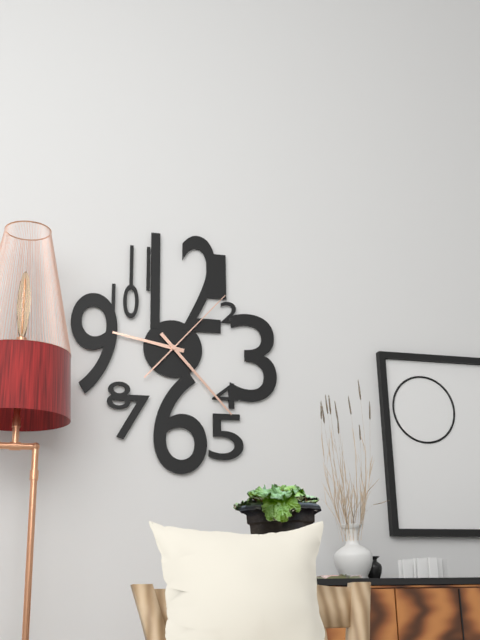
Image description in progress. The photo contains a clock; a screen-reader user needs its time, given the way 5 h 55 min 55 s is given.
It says 9 h 23 min 07 s
